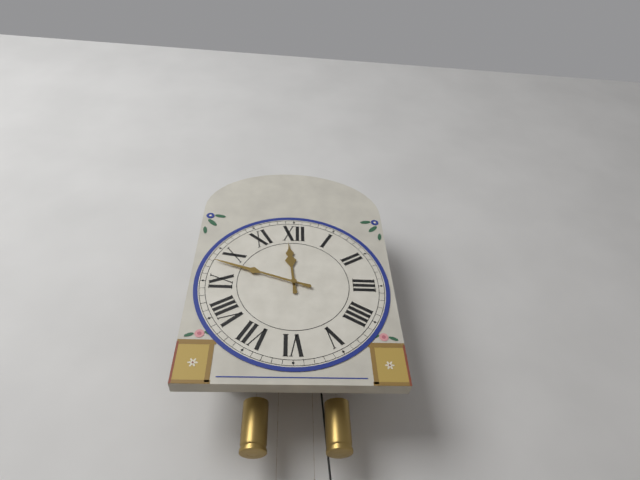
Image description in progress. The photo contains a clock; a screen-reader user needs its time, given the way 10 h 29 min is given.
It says 11 h 48 min
